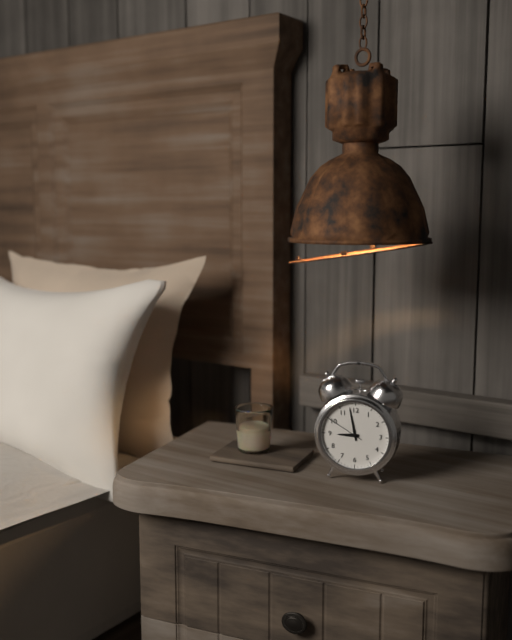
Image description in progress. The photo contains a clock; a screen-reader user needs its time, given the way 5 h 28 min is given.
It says 8 h 58 min
